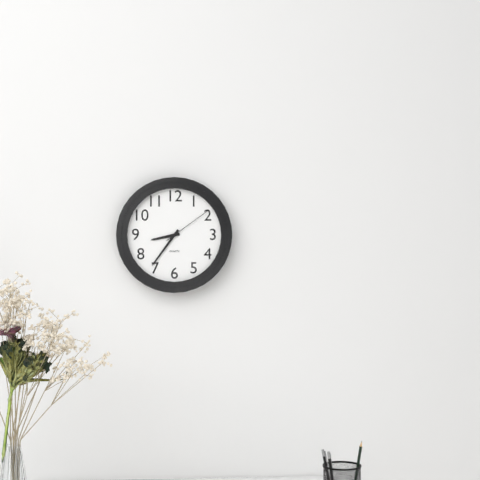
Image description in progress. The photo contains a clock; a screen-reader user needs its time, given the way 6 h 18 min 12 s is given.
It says 8 h 36 min 09 s
